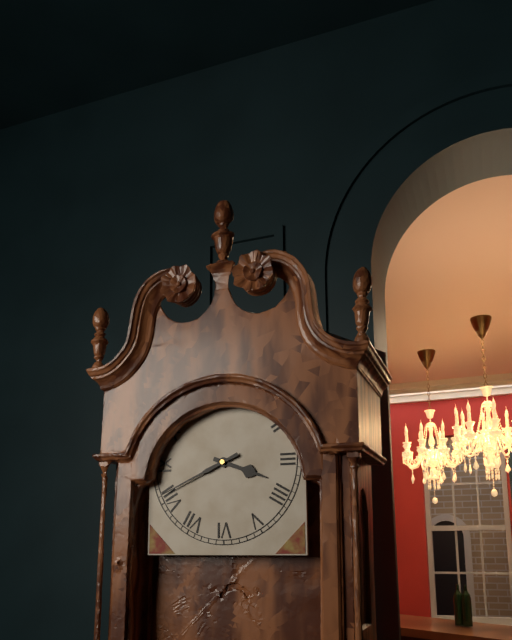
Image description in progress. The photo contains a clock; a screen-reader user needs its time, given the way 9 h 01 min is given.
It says 3 h 41 min
